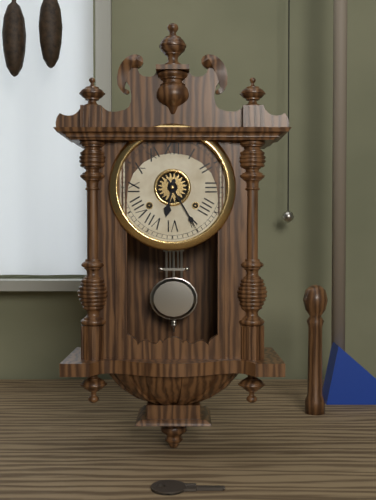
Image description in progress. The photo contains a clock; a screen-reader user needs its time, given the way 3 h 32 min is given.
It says 6 h 25 min
